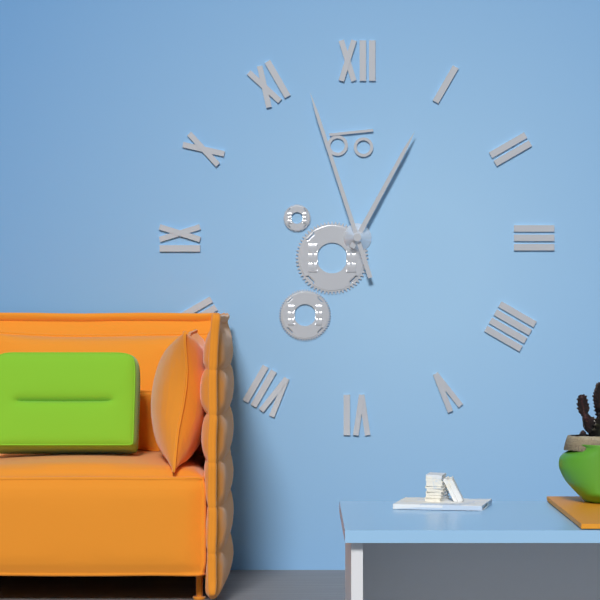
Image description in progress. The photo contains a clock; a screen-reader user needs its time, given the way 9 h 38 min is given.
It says 12 h 57 min
